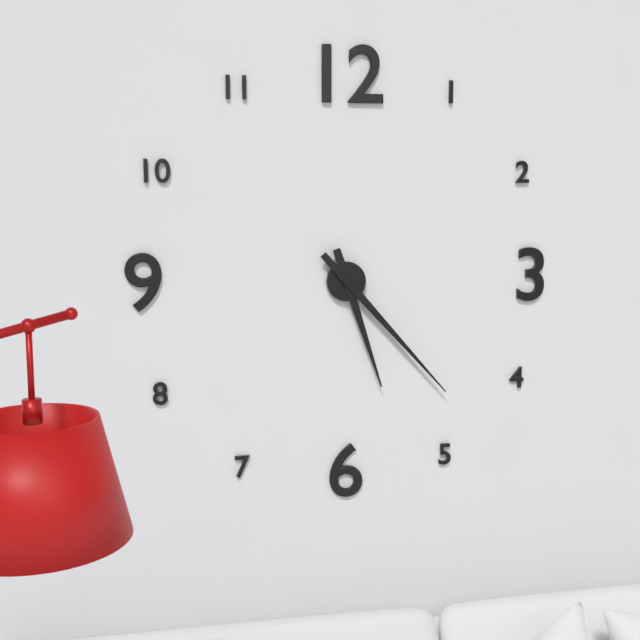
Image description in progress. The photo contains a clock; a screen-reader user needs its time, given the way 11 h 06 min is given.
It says 5 h 23 min
